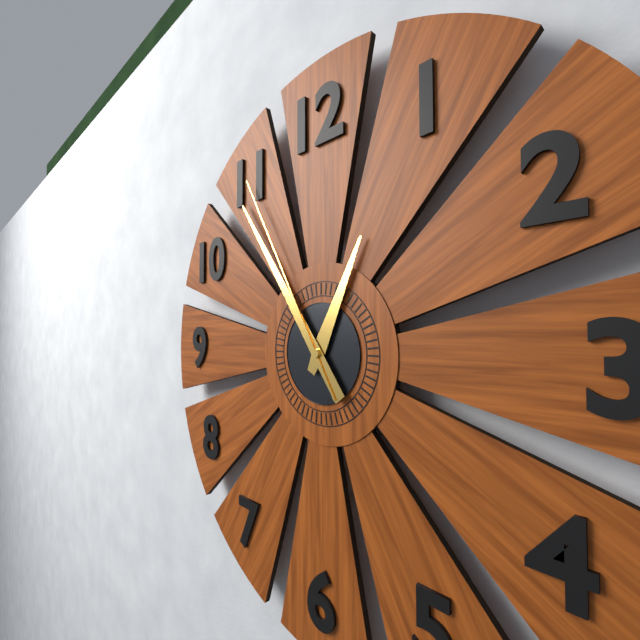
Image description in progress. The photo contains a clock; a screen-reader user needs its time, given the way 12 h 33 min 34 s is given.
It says 12 h 54 min 55 s
